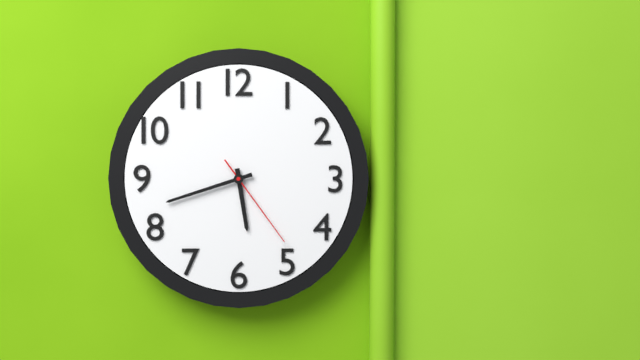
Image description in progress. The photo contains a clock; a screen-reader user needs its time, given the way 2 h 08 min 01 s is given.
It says 5 h 42 min 24 s
